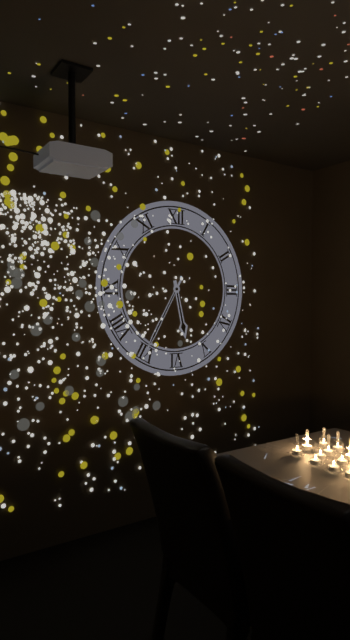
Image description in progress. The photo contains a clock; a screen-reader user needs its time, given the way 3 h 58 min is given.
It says 5 h 35 min
